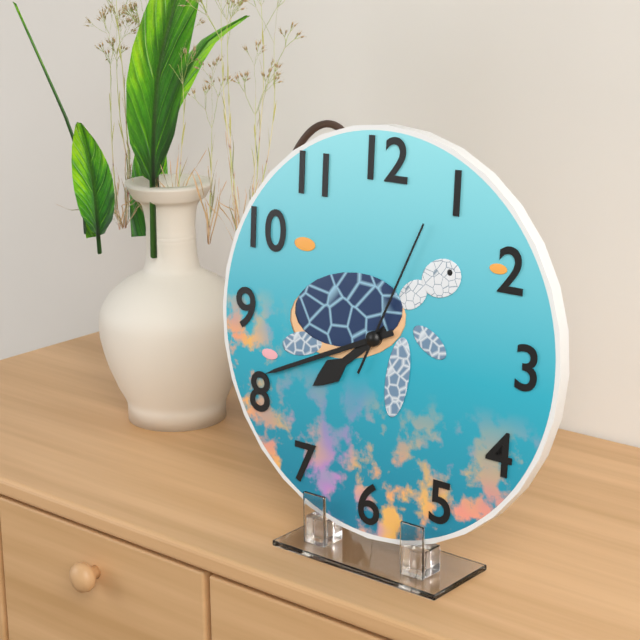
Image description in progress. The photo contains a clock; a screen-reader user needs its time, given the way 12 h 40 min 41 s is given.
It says 7 h 41 min 04 s
